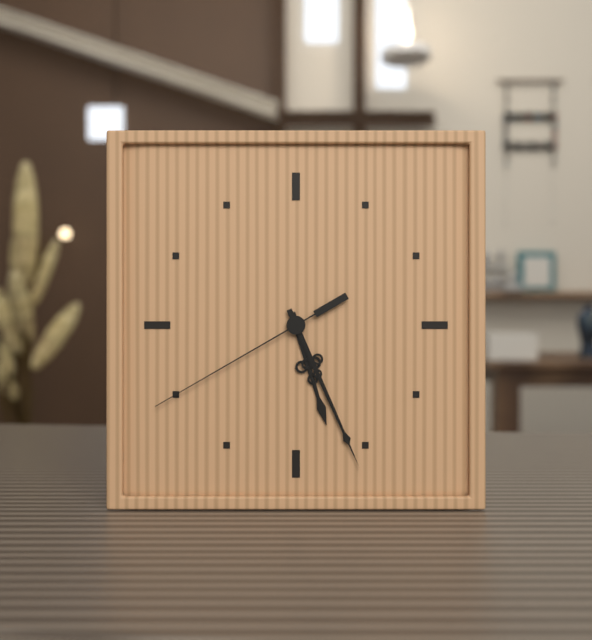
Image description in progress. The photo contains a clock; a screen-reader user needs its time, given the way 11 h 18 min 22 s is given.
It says 5 h 26 min 40 s
